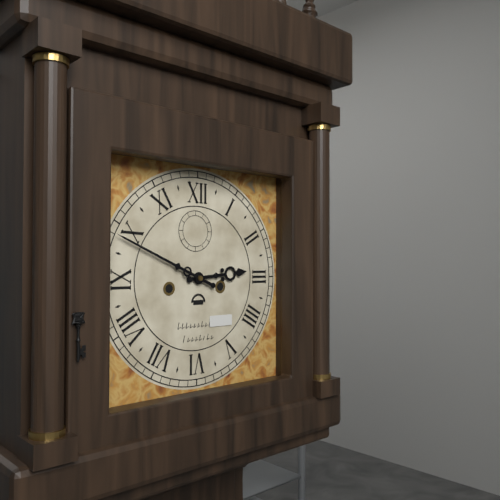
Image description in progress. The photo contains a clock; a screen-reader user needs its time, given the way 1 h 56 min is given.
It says 2 h 49 min
